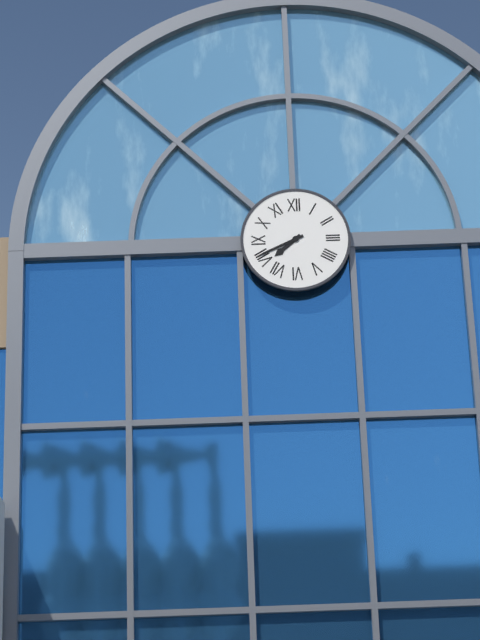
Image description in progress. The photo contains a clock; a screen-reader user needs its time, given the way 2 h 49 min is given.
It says 7 h 41 min
